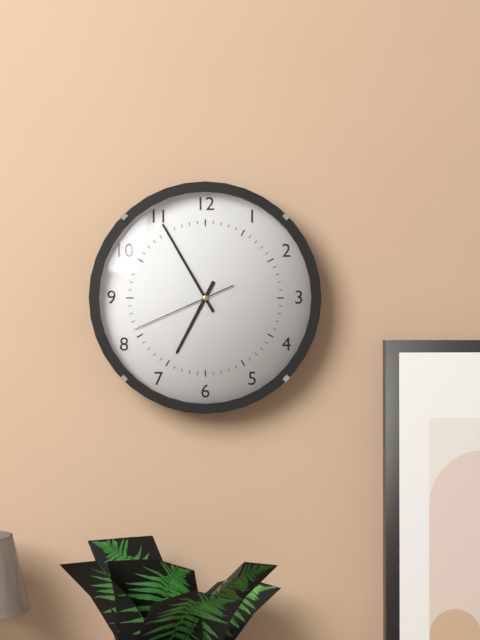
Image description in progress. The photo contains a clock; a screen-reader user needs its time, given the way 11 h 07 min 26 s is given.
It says 6 h 55 min 41 s
